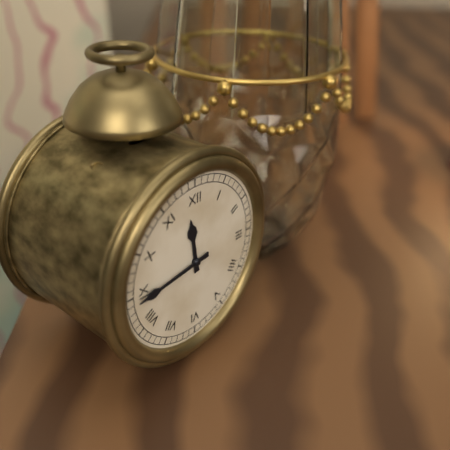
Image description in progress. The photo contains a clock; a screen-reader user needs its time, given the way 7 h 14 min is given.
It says 11 h 44 min
